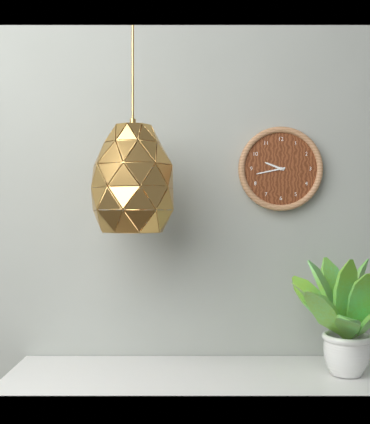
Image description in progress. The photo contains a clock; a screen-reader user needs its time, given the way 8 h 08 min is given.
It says 9 h 43 min
